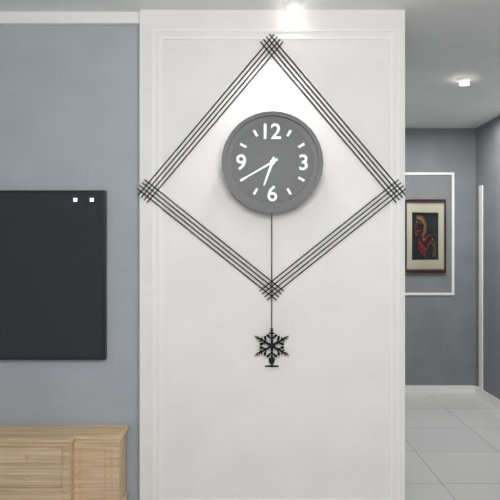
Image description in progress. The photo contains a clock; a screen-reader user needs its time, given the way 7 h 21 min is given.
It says 6 h 40 min
